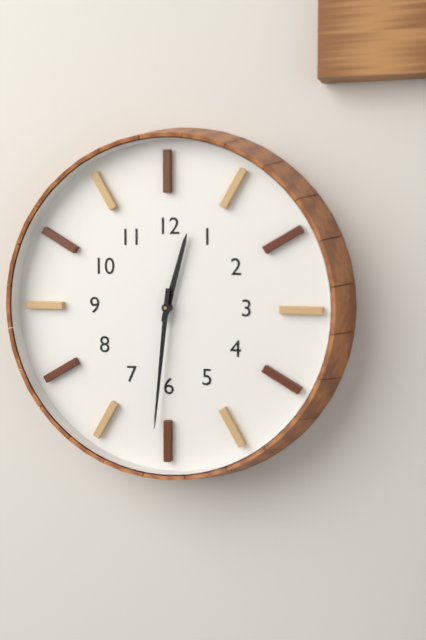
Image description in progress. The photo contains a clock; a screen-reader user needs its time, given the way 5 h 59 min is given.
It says 12 h 31 min
